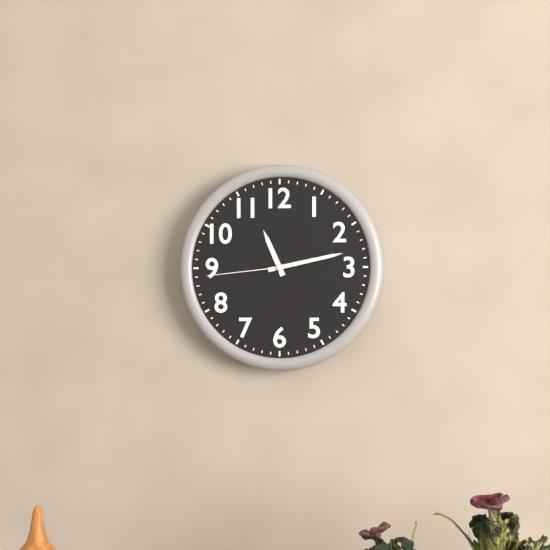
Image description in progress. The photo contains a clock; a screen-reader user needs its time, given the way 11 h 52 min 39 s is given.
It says 11 h 13 min 44 s
